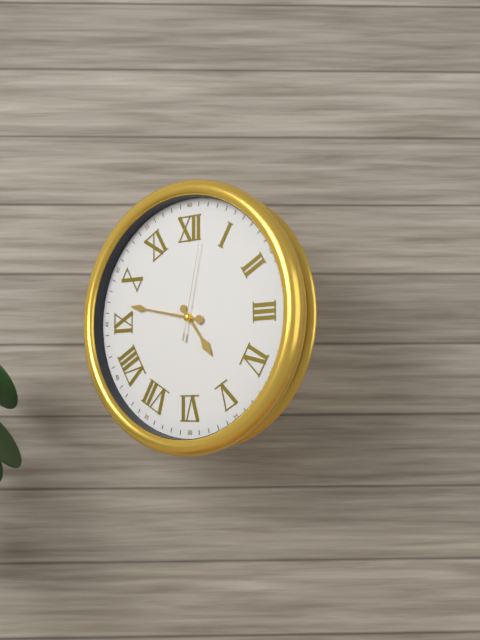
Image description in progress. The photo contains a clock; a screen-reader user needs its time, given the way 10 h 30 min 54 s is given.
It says 4 h 47 min 02 s
